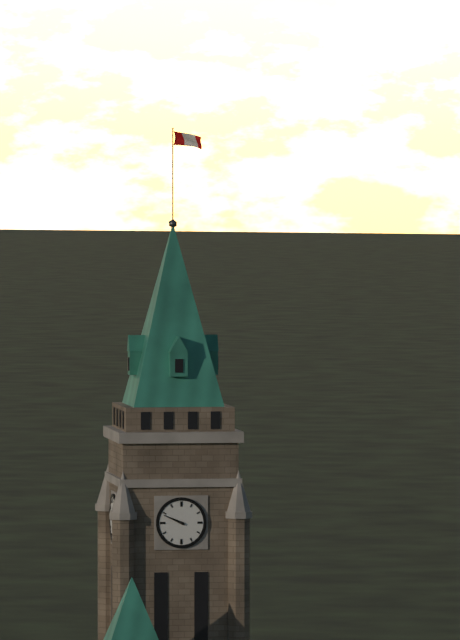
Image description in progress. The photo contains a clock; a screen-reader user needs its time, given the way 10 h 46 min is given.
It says 9 h 49 min
